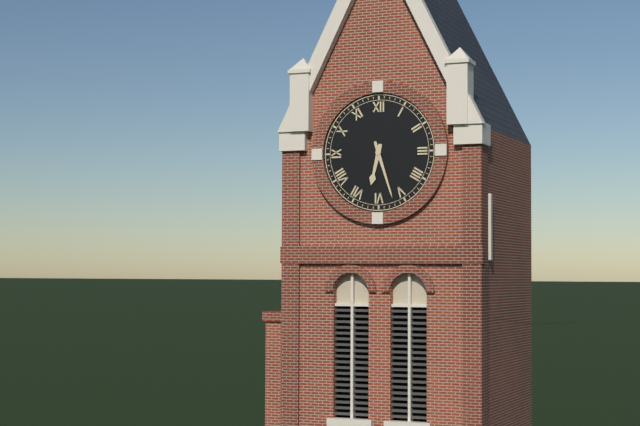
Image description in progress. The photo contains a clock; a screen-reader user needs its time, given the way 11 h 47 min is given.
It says 6 h 27 min
